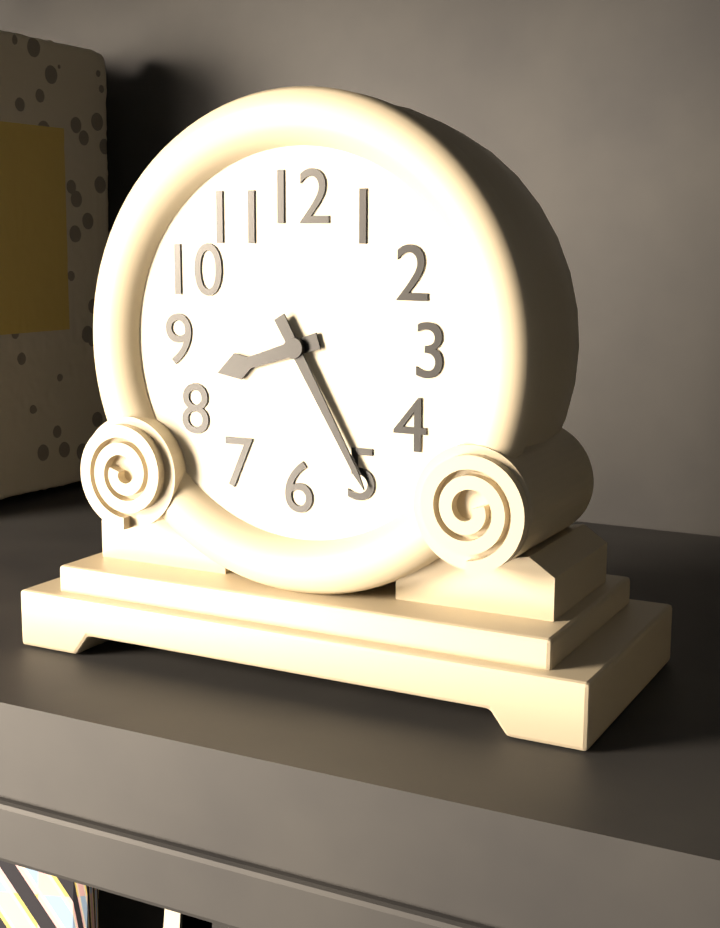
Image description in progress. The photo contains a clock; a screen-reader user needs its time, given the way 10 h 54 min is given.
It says 8 h 25 min
